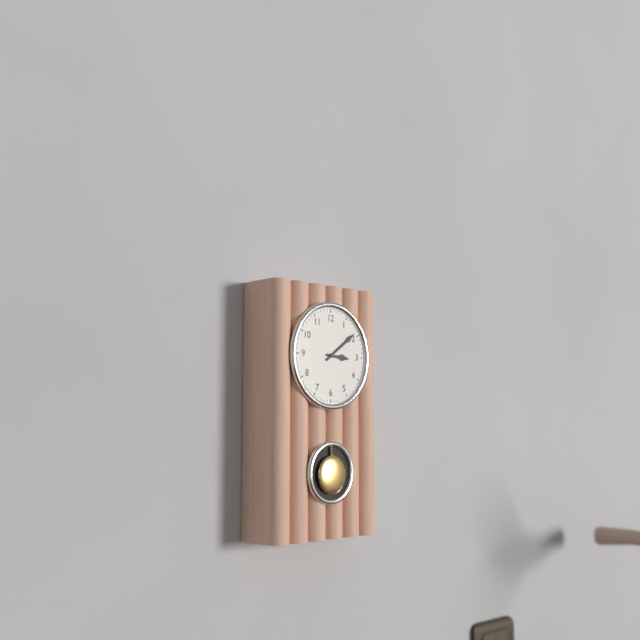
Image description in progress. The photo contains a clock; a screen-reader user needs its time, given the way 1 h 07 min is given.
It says 3 h 09 min
